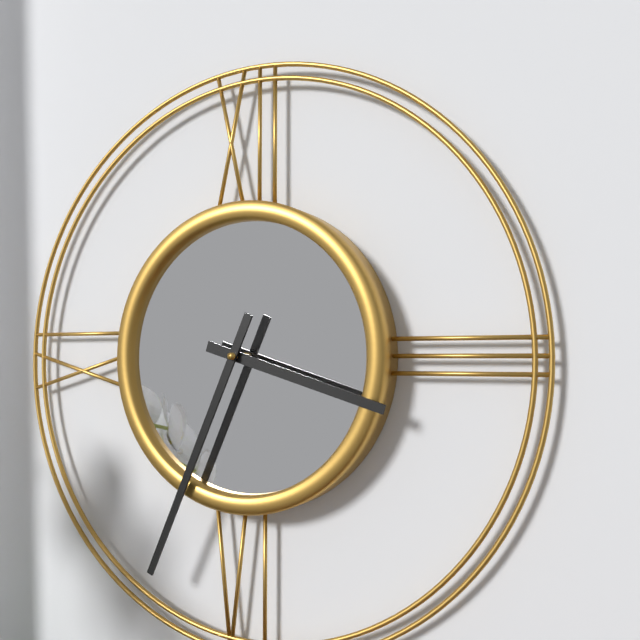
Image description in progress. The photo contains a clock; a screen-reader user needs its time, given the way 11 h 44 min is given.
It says 3 h 34 min
